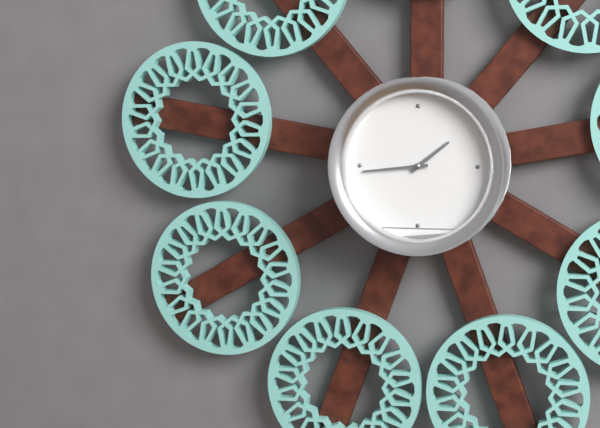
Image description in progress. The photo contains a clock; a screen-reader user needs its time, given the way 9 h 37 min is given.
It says 1 h 44 min
